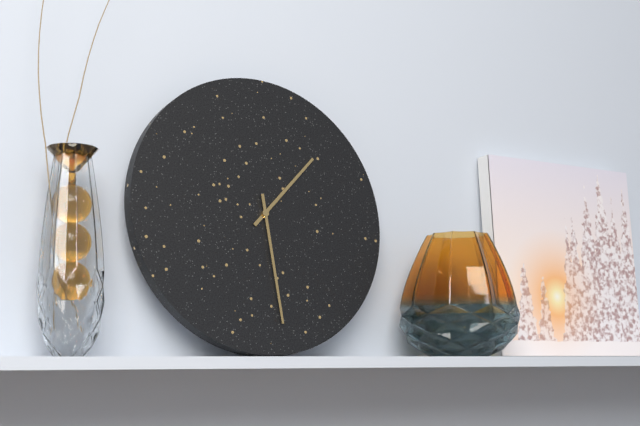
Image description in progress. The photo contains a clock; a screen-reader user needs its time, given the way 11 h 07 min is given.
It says 1 h 29 min
